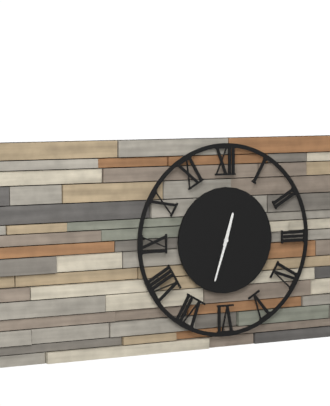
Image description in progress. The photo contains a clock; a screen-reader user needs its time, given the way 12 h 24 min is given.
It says 12 h 33 min
